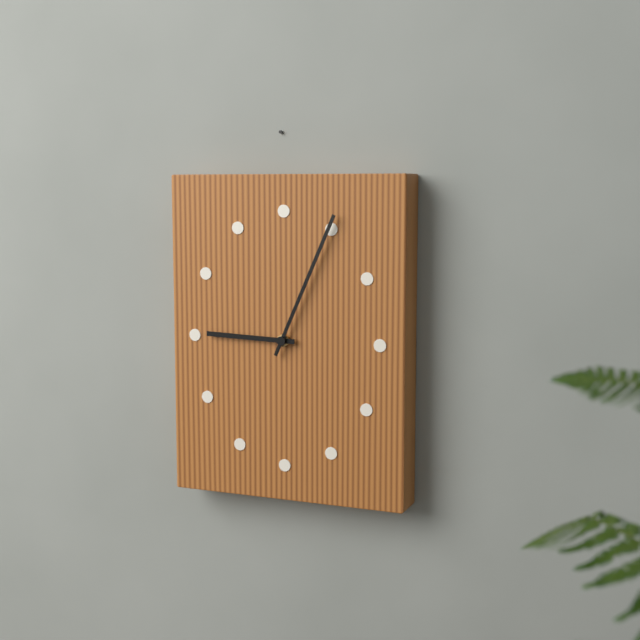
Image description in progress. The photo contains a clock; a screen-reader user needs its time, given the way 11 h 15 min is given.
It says 9 h 04 min
